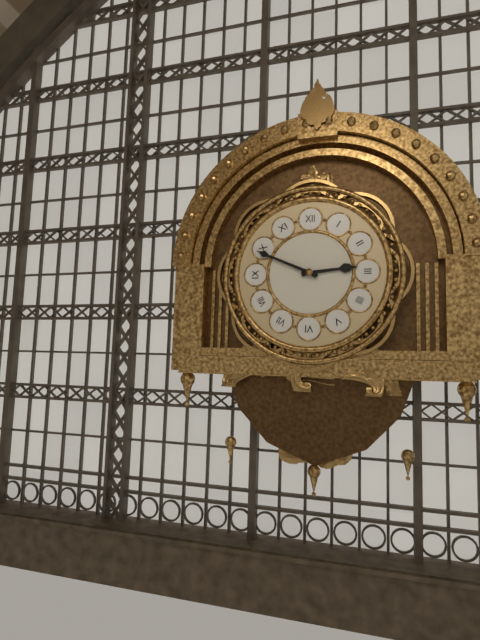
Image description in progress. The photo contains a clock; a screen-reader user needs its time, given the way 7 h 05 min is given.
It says 2 h 49 min
